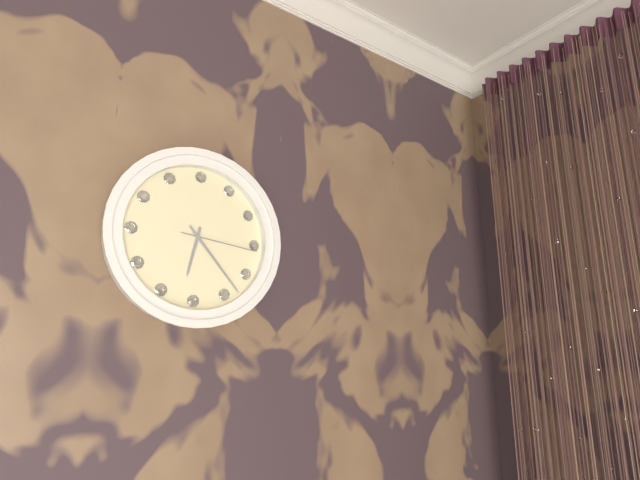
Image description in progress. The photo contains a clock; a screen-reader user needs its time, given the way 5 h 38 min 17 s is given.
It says 6 h 23 min 16 s
